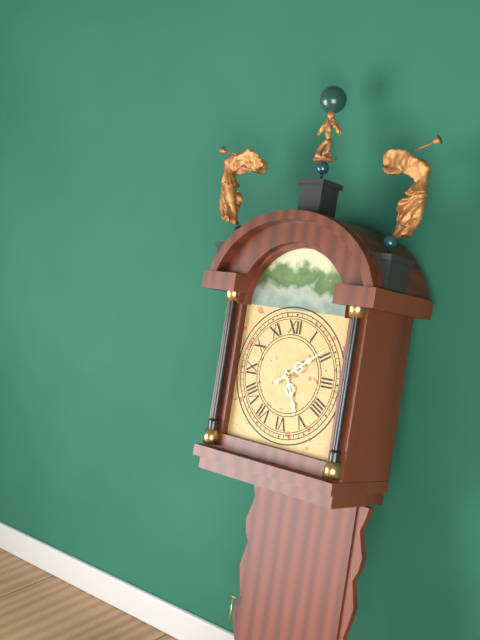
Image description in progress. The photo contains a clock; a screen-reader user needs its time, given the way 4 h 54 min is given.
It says 5 h 09 min
